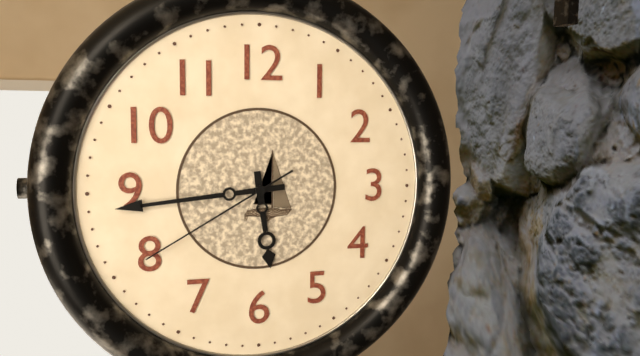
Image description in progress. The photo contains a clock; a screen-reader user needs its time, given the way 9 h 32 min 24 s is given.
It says 5 h 44 min 40 s
